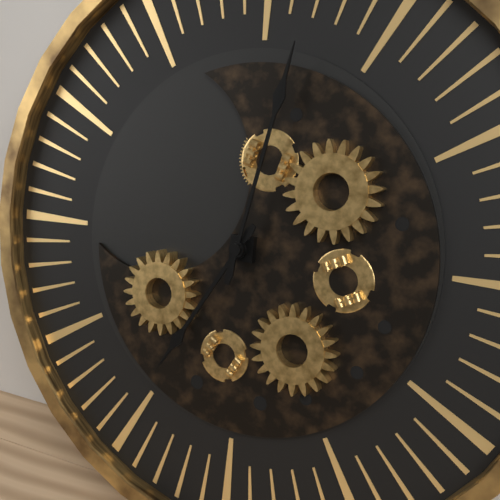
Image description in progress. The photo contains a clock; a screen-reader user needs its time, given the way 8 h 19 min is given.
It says 7 h 02 min
